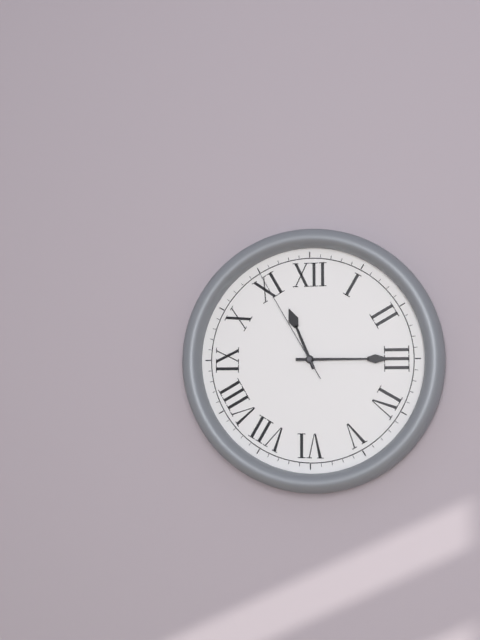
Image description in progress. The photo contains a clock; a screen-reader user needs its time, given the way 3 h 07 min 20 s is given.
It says 11 h 15 min 55 s
